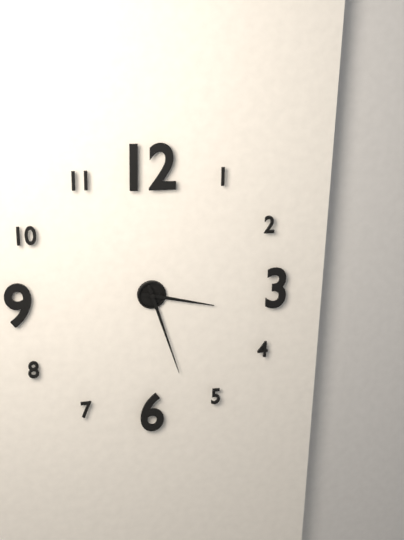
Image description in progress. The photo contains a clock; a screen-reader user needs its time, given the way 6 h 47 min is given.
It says 3 h 27 min
